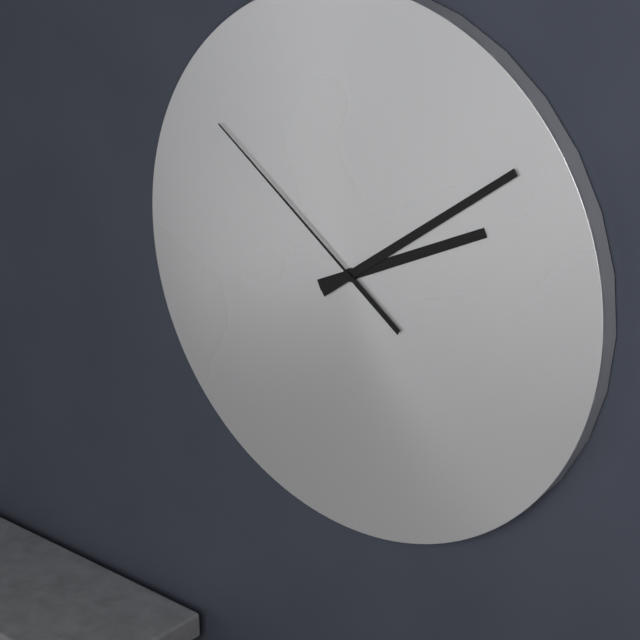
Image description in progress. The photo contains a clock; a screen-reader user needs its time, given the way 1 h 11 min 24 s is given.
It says 2 h 09 min 51 s
